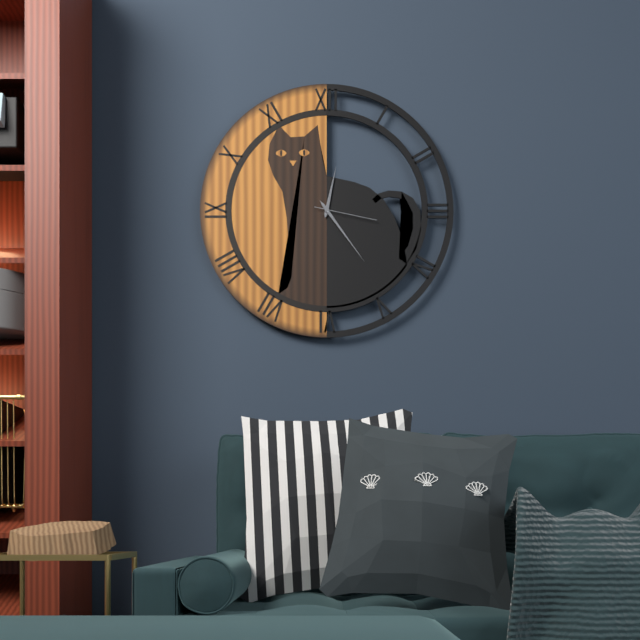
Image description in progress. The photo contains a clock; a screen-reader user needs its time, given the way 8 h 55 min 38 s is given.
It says 12 h 24 min 17 s
